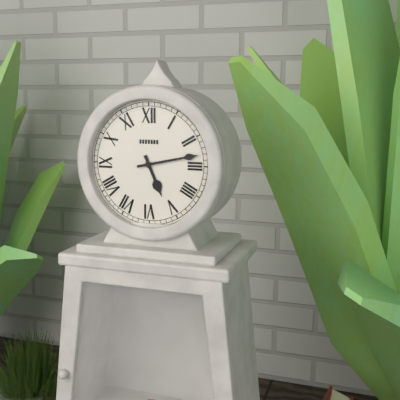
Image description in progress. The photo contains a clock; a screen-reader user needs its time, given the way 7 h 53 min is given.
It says 5 h 13 min
